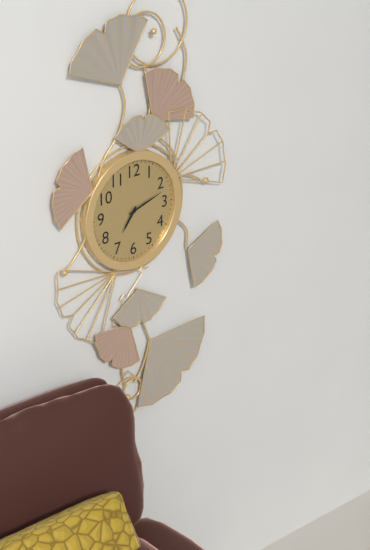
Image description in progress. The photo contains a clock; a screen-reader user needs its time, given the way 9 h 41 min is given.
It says 7 h 12 min
